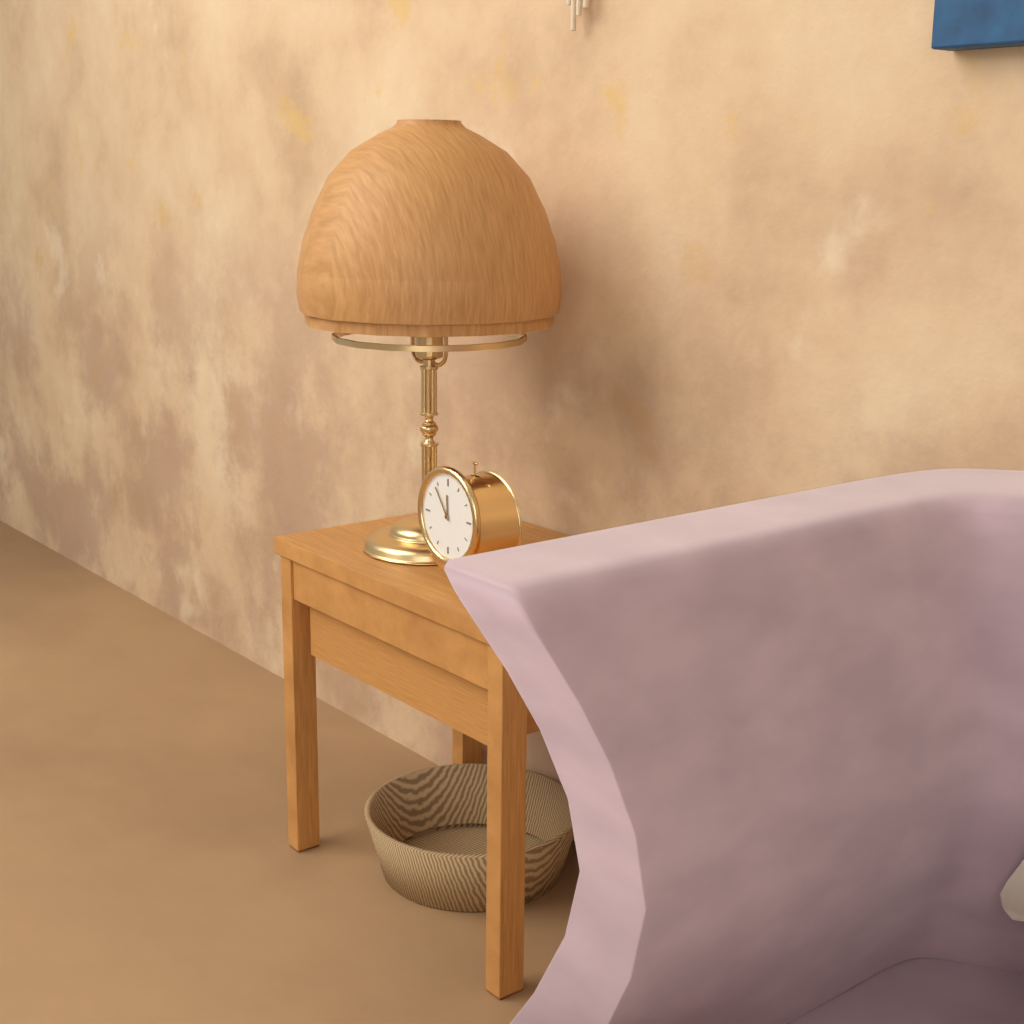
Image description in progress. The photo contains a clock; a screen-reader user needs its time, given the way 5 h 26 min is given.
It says 11 h 54 min
